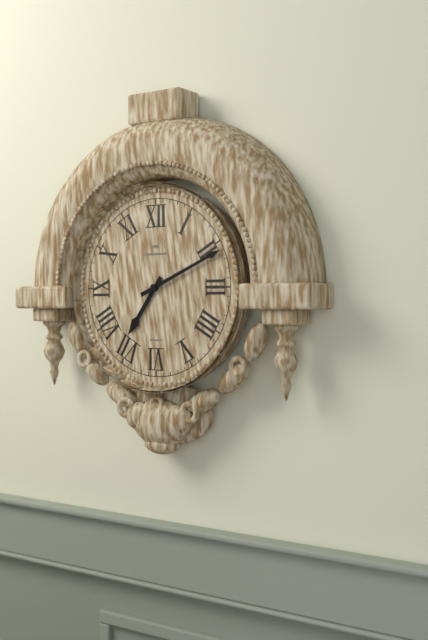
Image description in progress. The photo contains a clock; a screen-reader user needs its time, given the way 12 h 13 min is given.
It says 7 h 11 min
